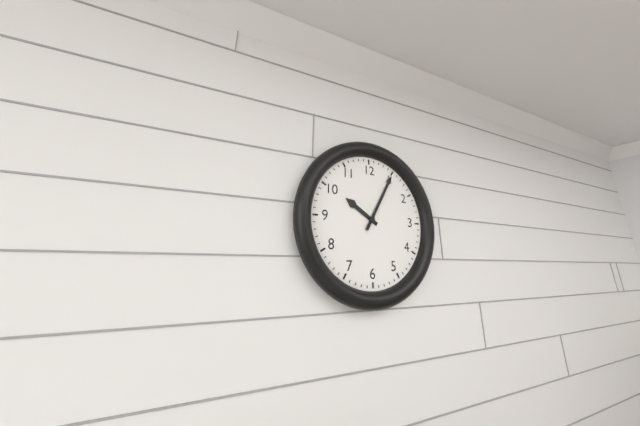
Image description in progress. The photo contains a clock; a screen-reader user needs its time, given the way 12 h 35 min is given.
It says 10 h 05 min
